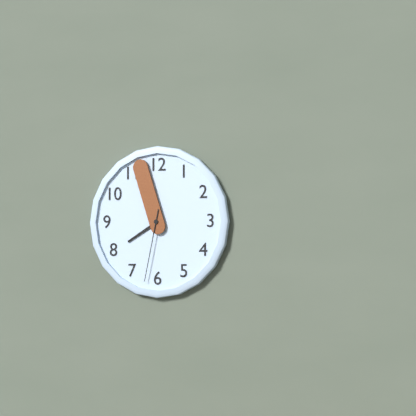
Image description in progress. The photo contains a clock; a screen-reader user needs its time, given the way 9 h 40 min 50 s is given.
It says 7 h 57 min 32 s
